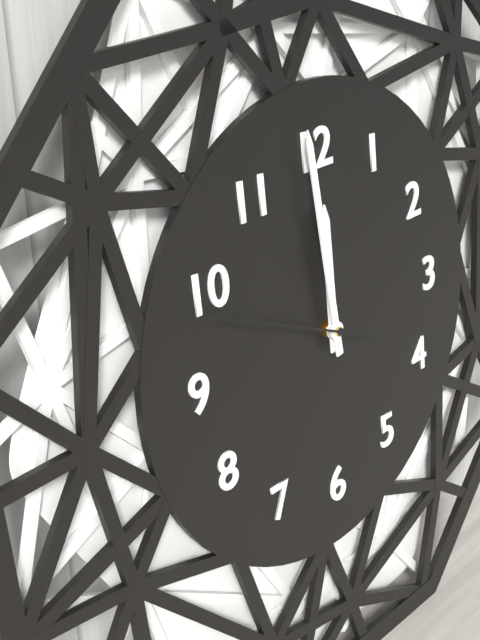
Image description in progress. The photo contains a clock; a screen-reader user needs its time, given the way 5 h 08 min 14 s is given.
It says 11 h 59 min 49 s
